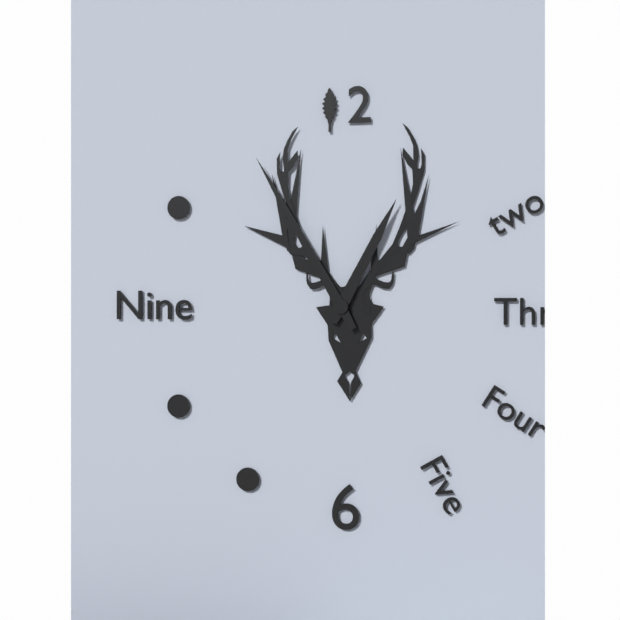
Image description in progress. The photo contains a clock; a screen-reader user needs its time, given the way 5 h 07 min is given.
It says 12 h 55 min
